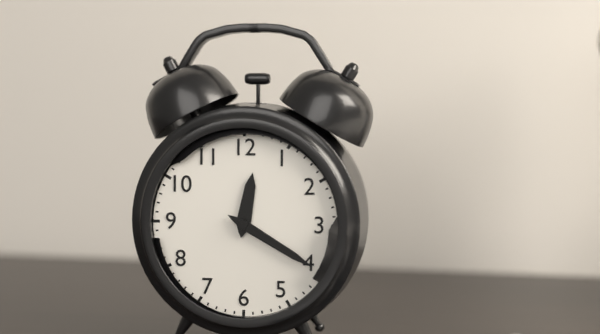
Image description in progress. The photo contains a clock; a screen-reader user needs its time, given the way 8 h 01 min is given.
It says 12 h 20 min
